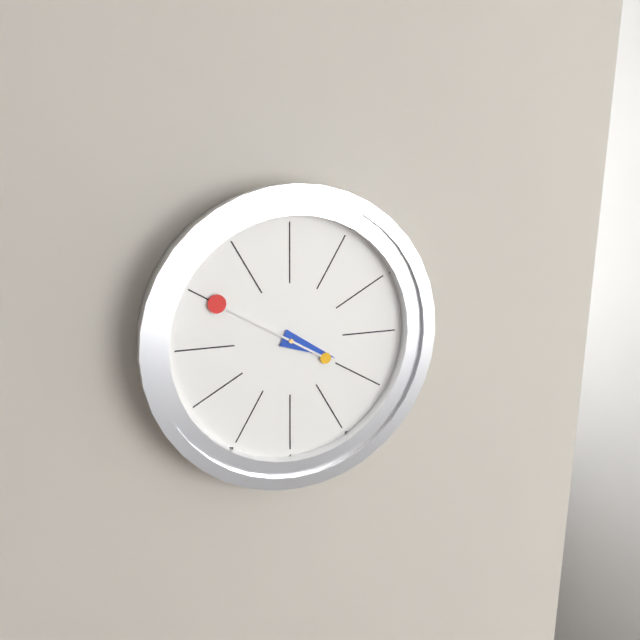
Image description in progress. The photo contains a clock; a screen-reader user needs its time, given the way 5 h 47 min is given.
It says 3 h 50 min
